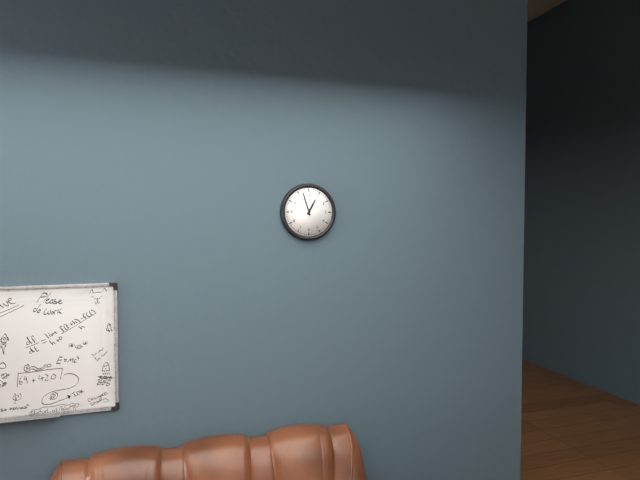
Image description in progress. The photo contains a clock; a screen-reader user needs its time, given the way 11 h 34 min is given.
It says 12 h 57 min
